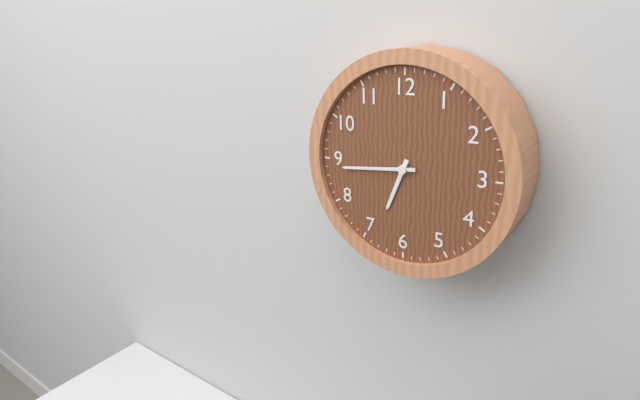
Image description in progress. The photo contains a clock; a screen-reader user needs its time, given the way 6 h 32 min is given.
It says 6 h 44 min
